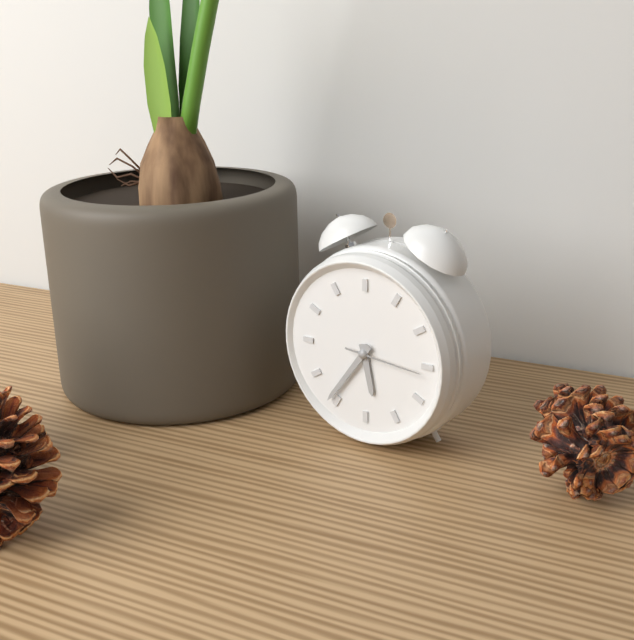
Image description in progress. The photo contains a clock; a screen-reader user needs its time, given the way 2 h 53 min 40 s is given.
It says 5 h 36 min 16 s
